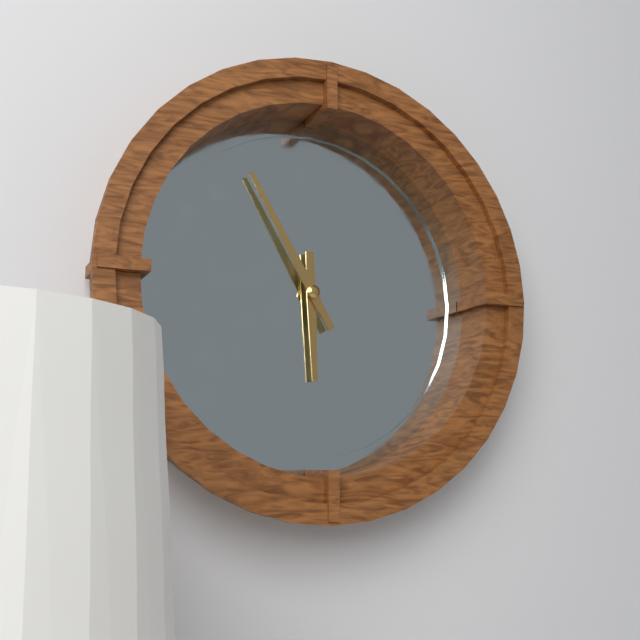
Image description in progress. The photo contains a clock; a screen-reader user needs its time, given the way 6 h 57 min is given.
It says 5 h 55 min
